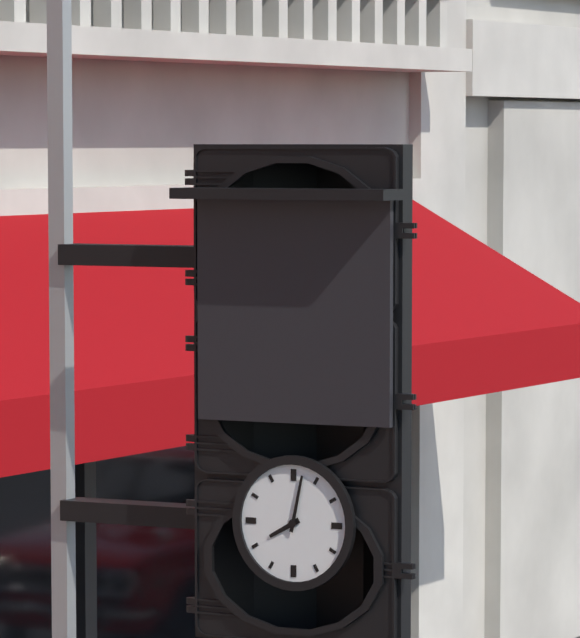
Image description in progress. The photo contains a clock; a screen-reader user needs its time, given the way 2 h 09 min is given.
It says 8 h 02 min
